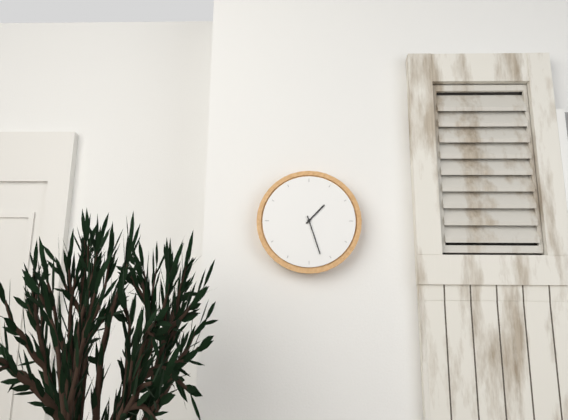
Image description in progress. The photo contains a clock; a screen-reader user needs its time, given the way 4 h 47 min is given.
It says 1 h 27 min
